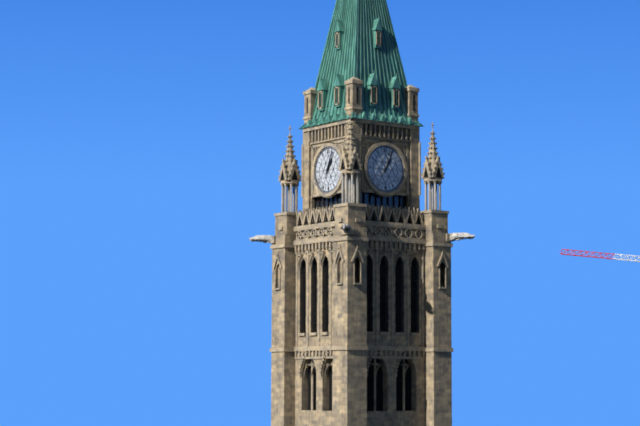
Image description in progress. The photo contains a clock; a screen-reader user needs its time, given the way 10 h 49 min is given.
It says 1 h 04 min
